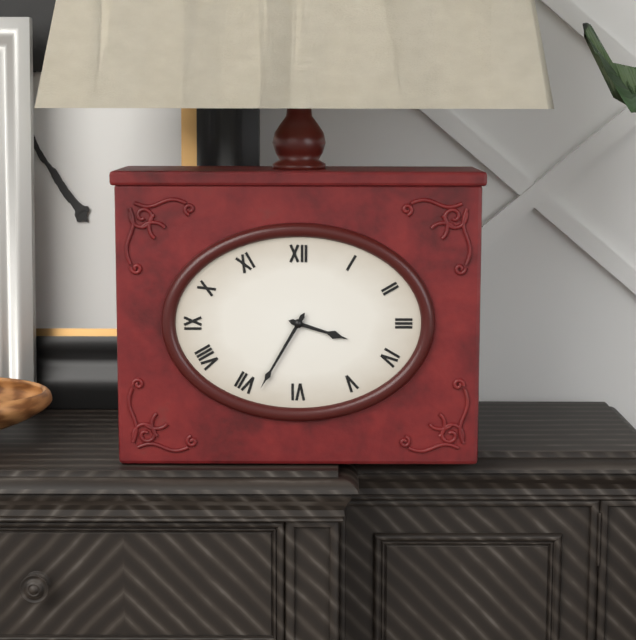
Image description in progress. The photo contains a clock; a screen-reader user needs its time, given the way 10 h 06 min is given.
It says 3 h 35 min
